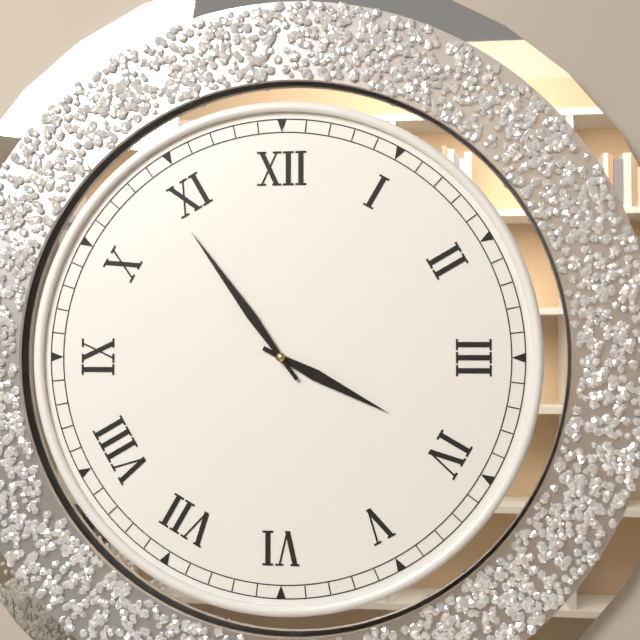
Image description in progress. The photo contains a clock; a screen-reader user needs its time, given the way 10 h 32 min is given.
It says 3 h 54 min
